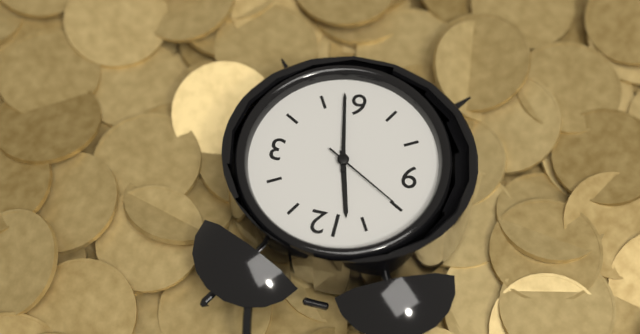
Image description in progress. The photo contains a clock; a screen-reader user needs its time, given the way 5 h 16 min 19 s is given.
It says 11 h 28 min 50 s
